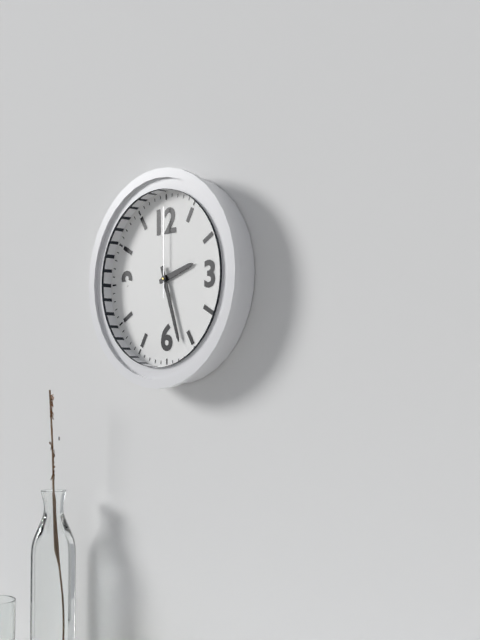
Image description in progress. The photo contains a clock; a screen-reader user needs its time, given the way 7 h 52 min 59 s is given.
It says 2 h 27 min 00 s
